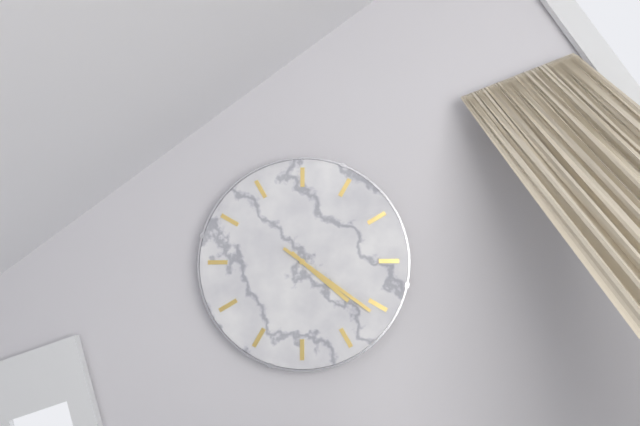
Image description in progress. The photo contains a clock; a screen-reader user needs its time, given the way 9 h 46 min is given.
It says 4 h 21 min
